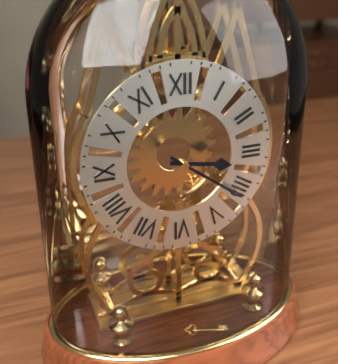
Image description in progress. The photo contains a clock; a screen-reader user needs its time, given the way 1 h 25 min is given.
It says 3 h 21 min
